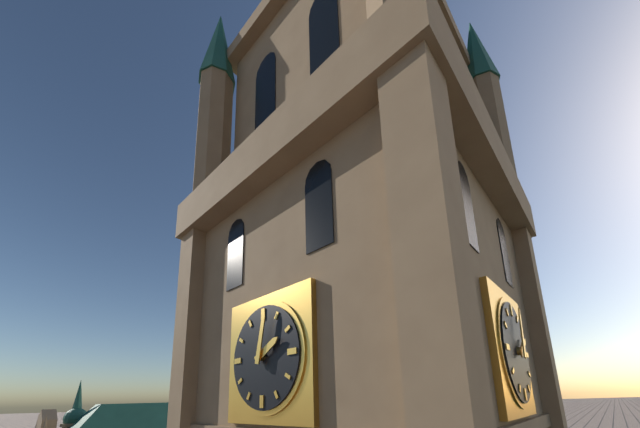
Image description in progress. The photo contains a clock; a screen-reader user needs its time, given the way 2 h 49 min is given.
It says 2 h 02 min
